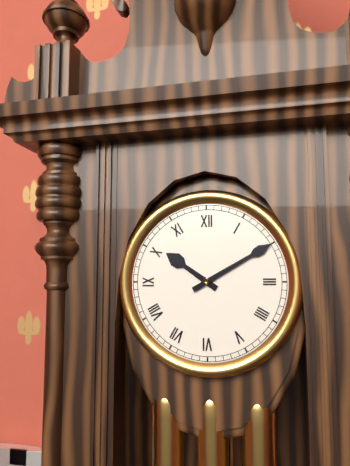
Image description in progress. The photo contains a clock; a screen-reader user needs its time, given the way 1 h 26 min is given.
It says 10 h 10 min
